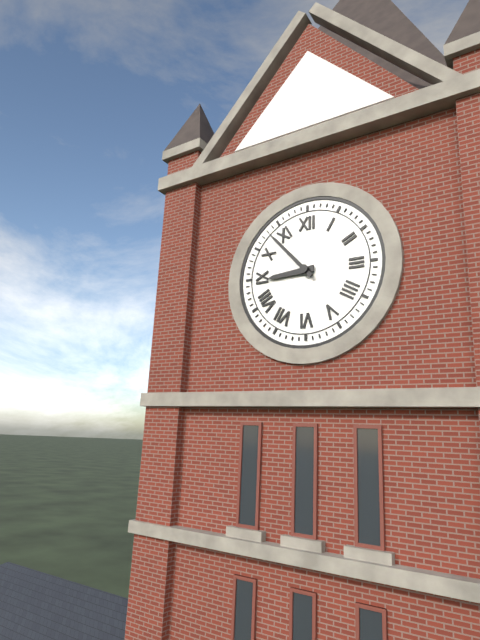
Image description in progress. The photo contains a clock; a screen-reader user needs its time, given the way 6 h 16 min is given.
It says 8 h 53 min
